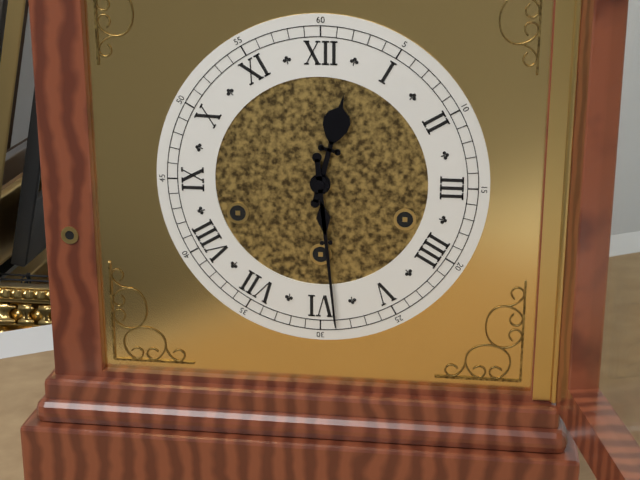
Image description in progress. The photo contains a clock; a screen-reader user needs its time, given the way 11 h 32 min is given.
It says 12 h 29 min
